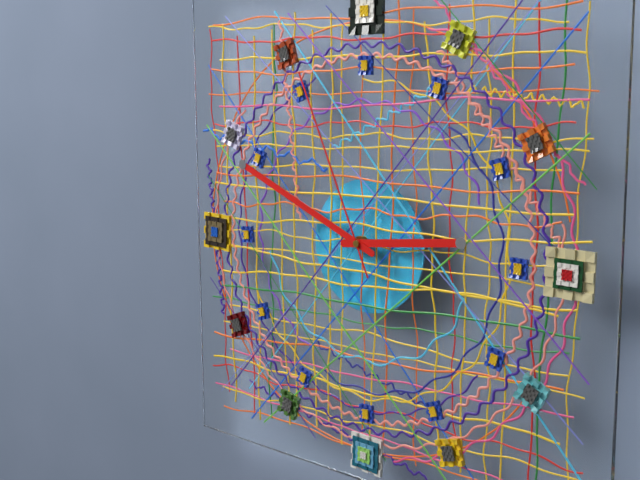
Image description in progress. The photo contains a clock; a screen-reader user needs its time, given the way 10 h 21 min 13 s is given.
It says 2 h 49 min 56 s
